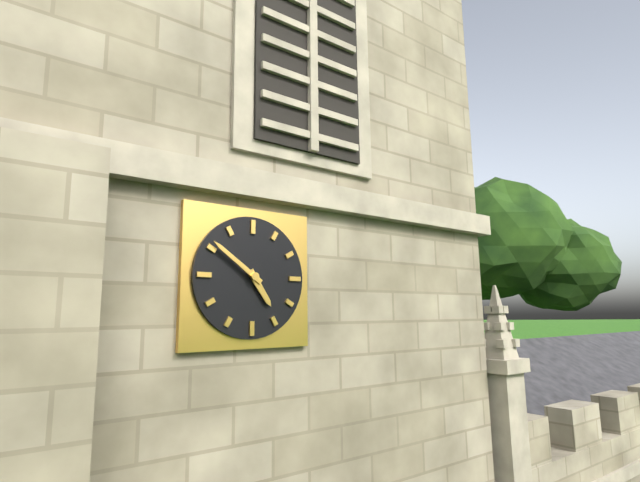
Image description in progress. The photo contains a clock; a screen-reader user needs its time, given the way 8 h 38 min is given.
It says 4 h 51 min
